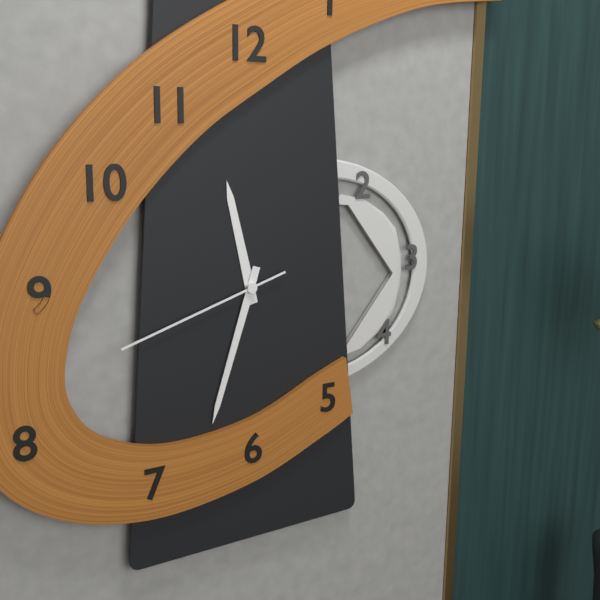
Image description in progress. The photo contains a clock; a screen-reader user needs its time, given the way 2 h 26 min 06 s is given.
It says 11 h 33 min 42 s
